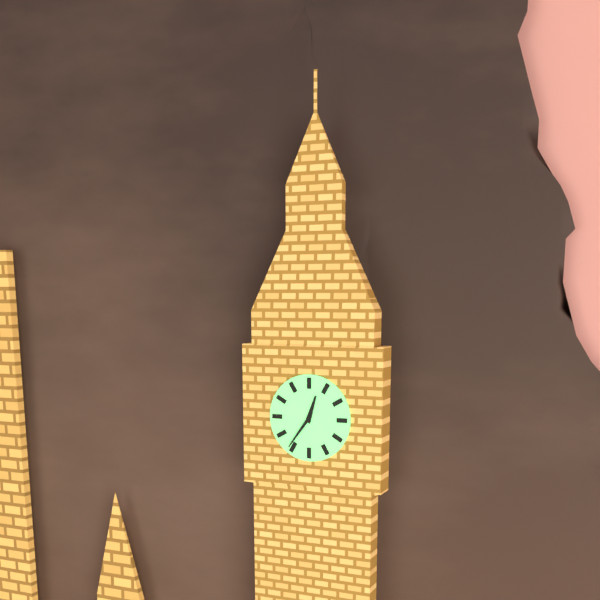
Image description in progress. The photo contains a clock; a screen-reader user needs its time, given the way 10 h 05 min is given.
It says 12 h 36 min
